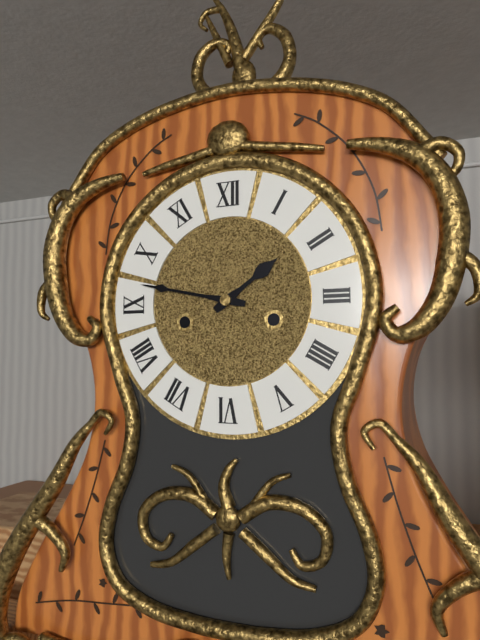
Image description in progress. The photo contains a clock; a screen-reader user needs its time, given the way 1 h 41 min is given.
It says 1 h 47 min
